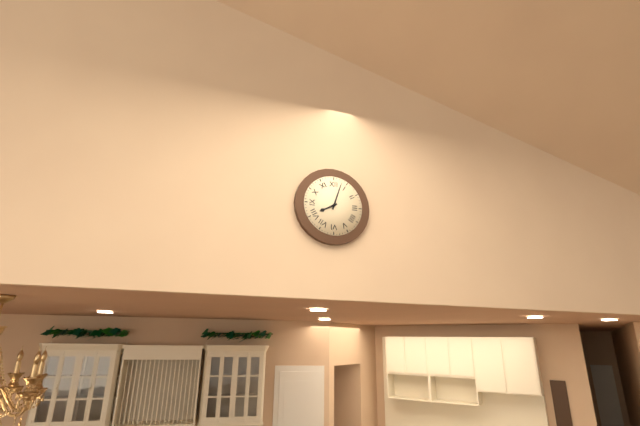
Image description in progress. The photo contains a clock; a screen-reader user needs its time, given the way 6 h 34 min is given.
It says 8 h 03 min
